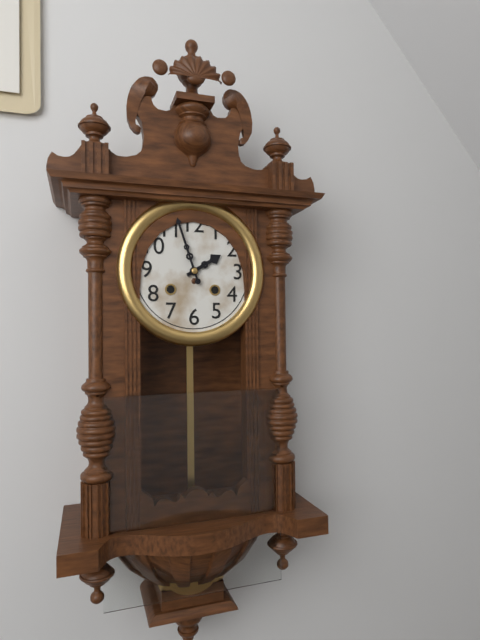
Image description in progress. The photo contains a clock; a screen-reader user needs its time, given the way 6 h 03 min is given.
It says 1 h 57 min
